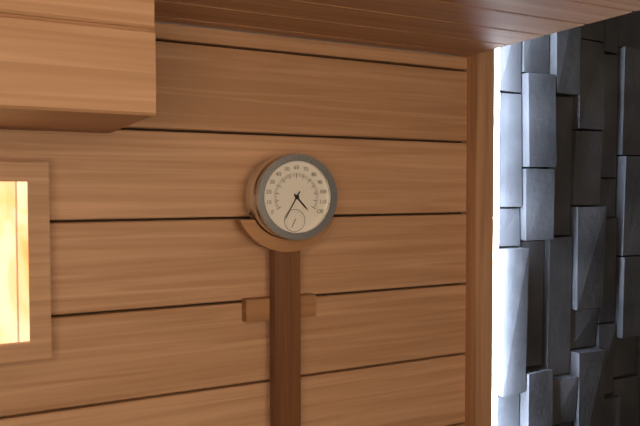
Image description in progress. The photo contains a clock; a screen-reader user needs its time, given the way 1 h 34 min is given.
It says 4 h 35 min
